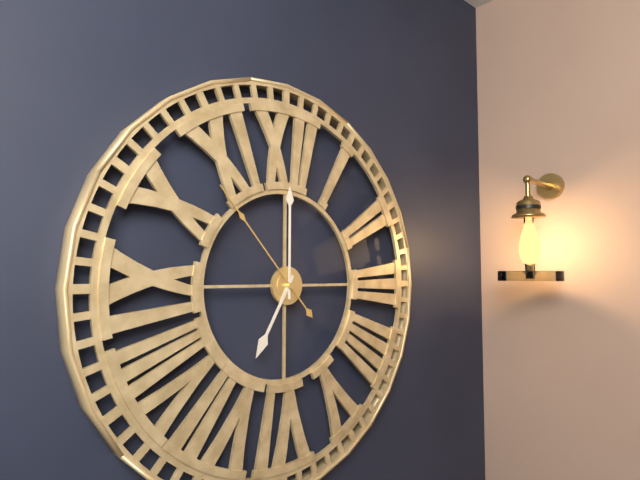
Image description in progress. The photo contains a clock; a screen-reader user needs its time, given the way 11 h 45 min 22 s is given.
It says 7 h 00 min 53 s
